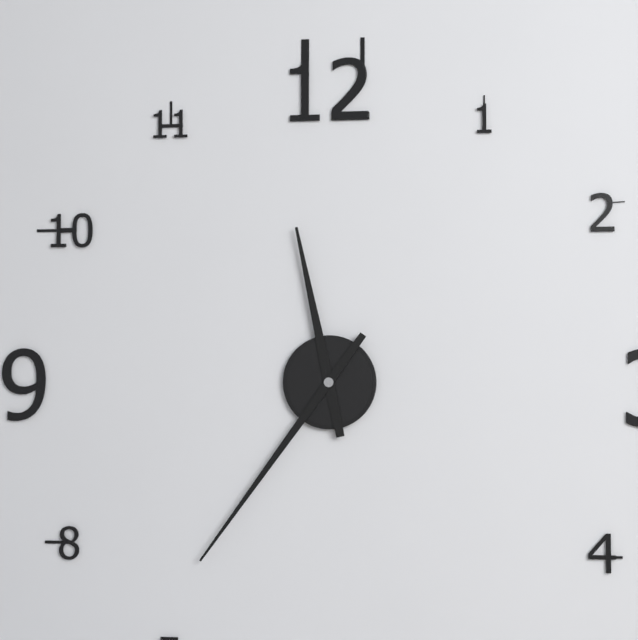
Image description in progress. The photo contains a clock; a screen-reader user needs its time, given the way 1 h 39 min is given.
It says 11 h 36 min
